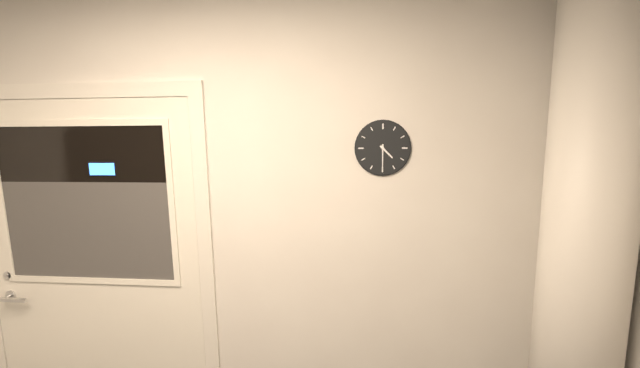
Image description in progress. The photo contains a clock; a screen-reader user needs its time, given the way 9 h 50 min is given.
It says 4 h 30 min
